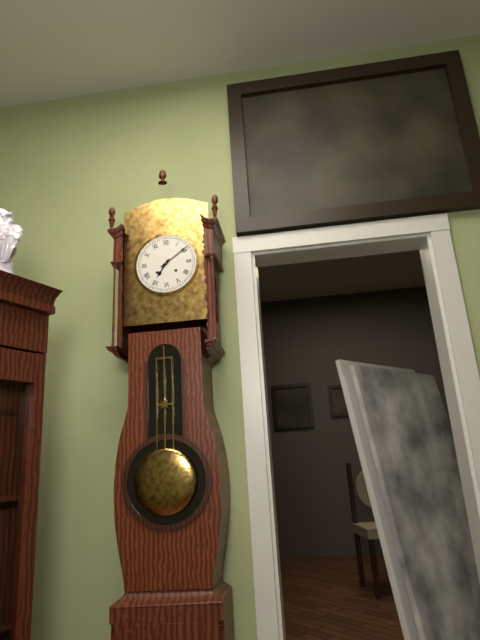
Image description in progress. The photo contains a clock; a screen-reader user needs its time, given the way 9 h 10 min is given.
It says 7 h 09 min
